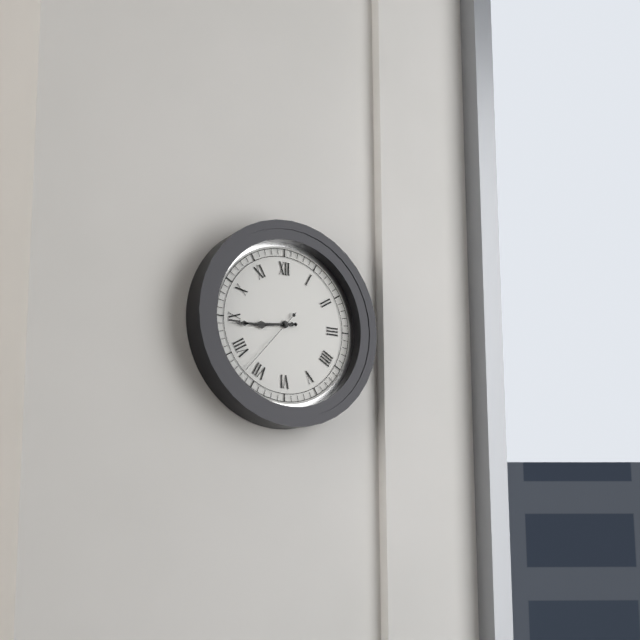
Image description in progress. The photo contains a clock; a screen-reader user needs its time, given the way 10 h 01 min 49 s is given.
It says 8 h 44 min 37 s
